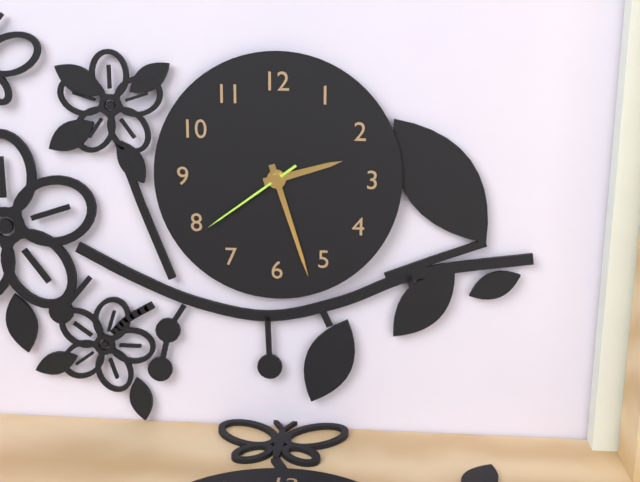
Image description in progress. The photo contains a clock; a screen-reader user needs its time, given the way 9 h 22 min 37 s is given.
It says 2 h 27 min 39 s
